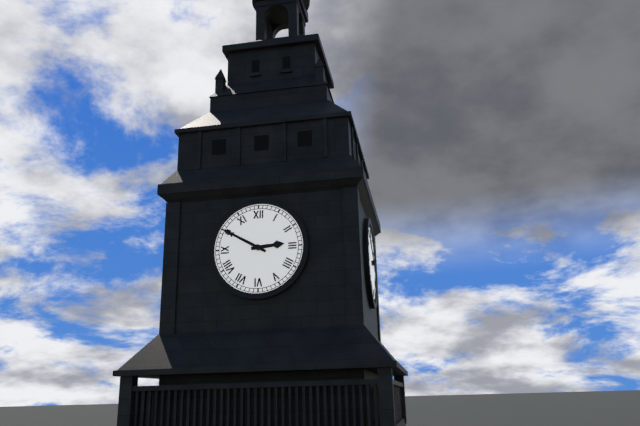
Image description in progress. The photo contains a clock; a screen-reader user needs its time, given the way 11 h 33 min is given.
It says 2 h 50 min
